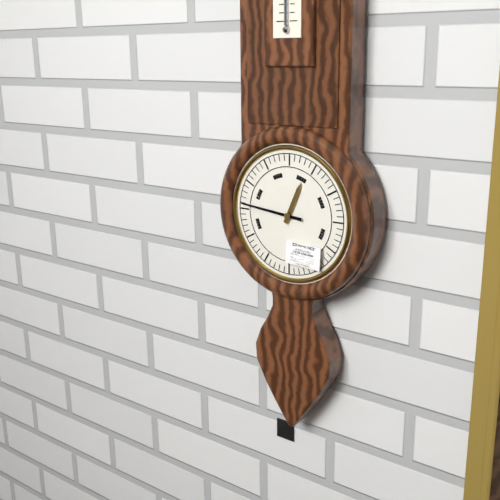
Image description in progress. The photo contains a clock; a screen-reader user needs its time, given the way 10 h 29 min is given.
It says 12 h 46 min
